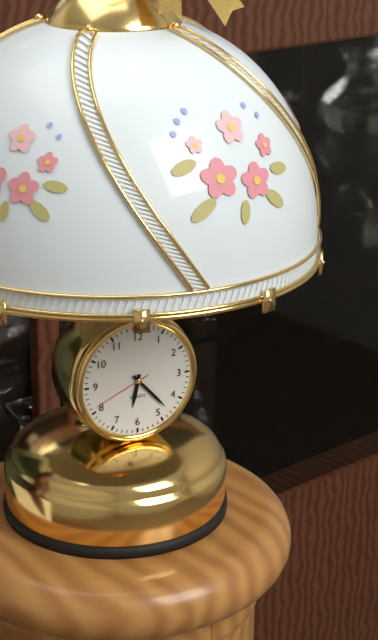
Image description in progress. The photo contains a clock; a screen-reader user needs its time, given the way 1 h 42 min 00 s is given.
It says 6 h 23 min 41 s
